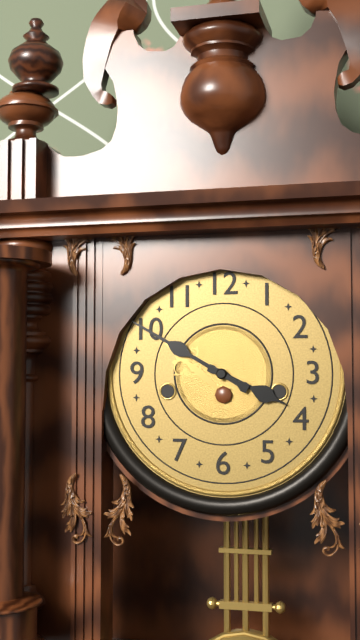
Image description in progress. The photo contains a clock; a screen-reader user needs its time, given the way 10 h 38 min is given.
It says 3 h 50 min
